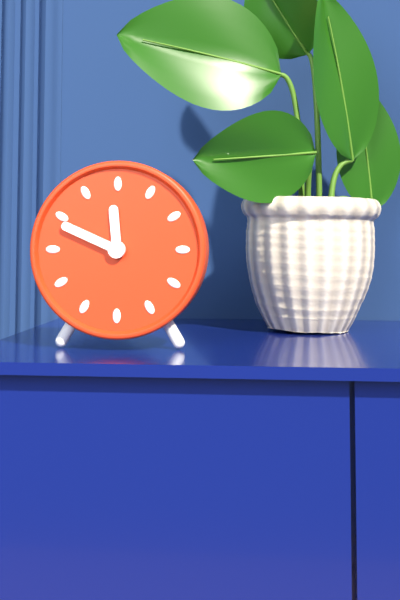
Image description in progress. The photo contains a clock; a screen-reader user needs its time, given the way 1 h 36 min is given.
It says 11 h 49 min
